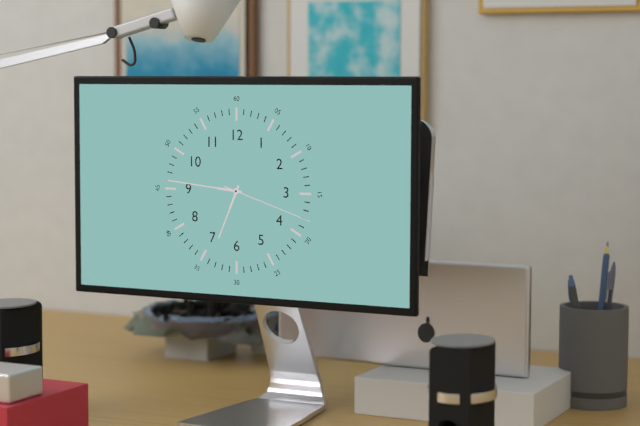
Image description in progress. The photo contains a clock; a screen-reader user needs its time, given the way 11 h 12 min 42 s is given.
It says 6 h 46 min 18 s
